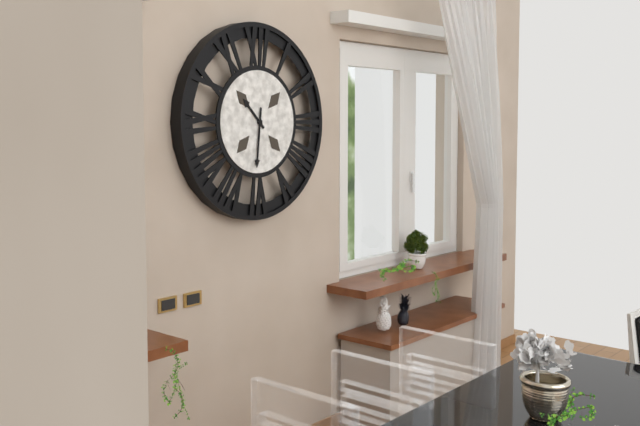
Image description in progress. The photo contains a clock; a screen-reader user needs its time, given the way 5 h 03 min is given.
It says 10 h 31 min
